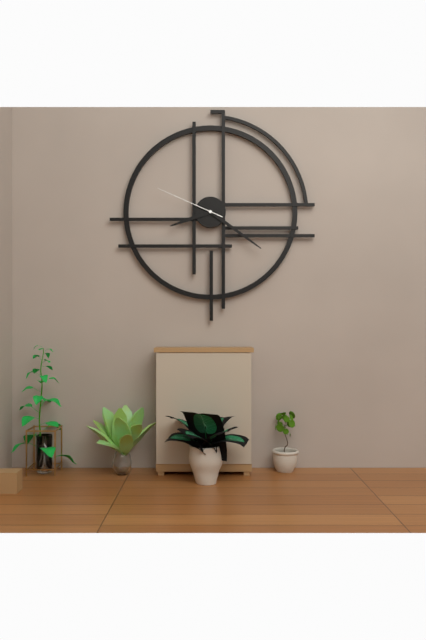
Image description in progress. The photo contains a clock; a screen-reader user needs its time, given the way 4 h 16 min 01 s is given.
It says 8 h 21 min 49 s
